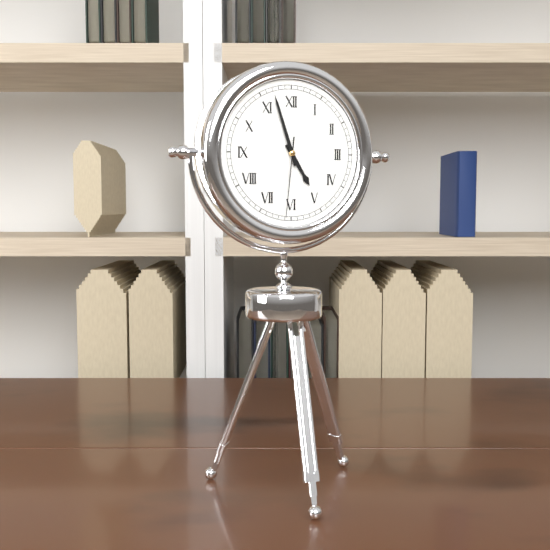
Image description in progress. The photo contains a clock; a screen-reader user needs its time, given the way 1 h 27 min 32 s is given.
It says 4 h 57 min 31 s
